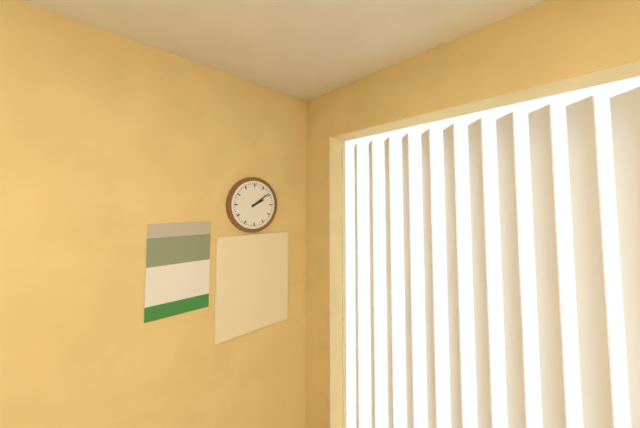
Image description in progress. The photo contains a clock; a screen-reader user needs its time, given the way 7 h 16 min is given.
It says 2 h 09 min
